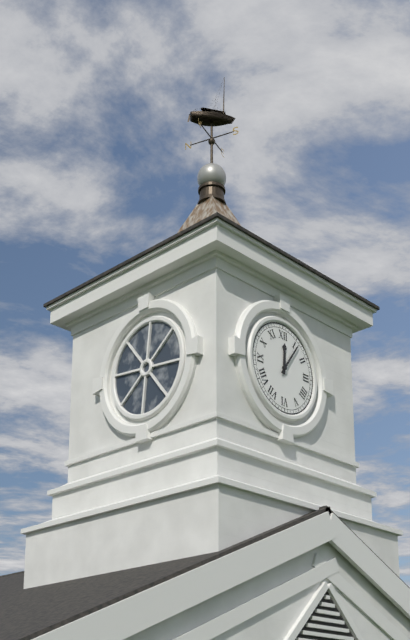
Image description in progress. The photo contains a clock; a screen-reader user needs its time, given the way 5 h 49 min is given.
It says 12 h 06 min
